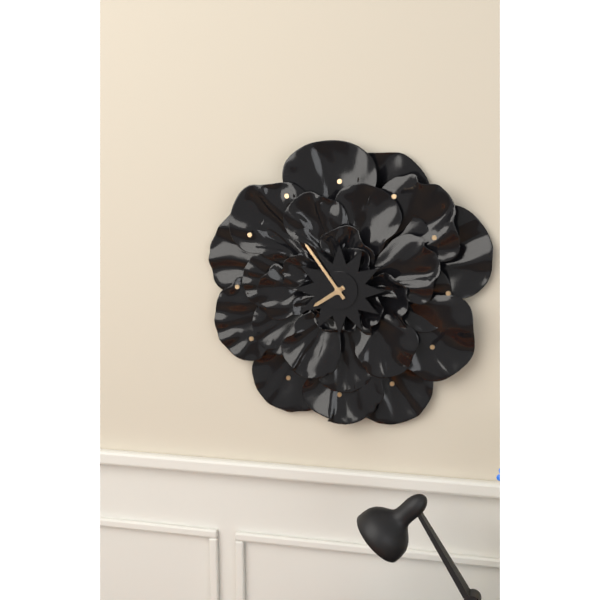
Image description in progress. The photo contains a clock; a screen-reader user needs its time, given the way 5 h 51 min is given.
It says 7 h 54 min
